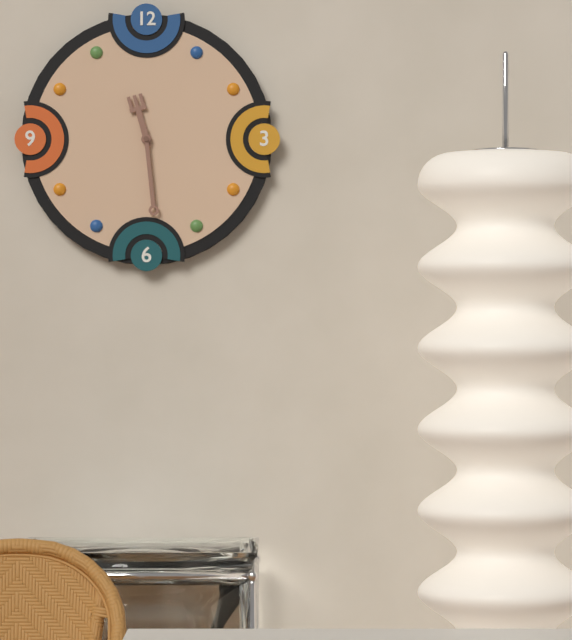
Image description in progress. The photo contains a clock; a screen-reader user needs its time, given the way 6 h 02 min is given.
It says 11 h 29 min
